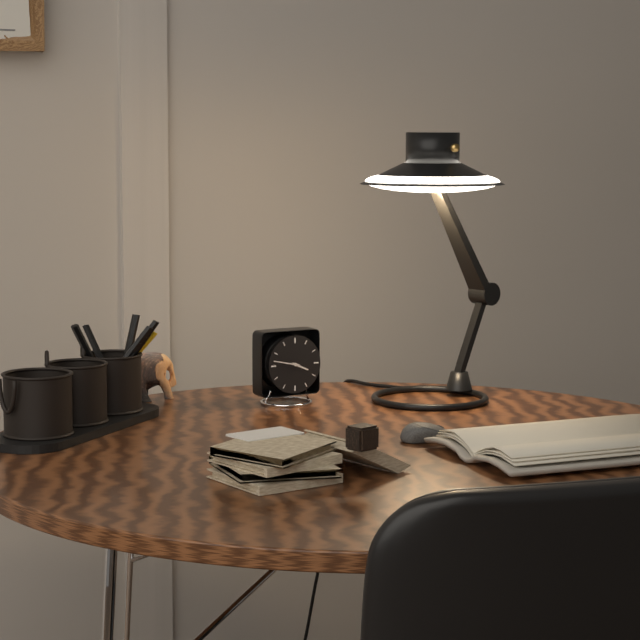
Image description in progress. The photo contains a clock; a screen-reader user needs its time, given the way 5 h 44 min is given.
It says 3 h 47 min
